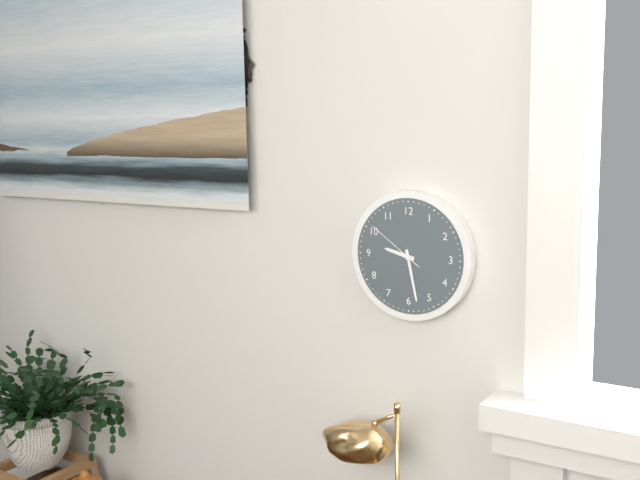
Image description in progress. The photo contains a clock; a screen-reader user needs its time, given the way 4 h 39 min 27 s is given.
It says 9 h 28 min 51 s
